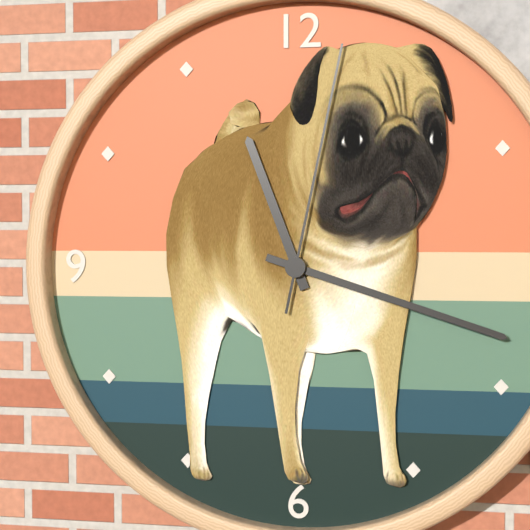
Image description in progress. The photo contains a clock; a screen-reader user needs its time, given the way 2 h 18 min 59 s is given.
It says 11 h 18 min 02 s
